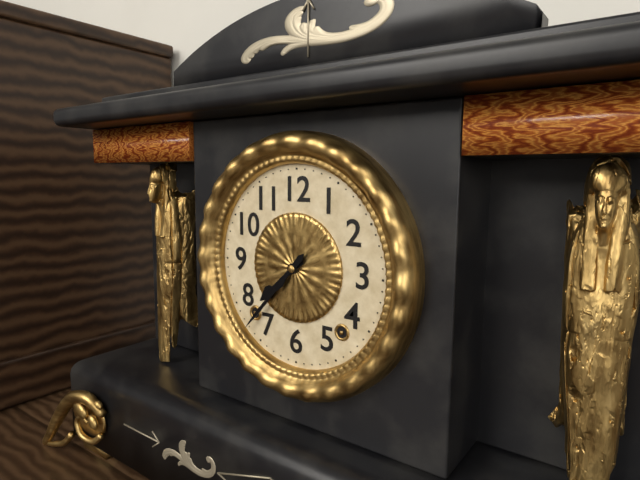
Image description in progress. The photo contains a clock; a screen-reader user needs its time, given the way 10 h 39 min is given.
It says 7 h 37 min
